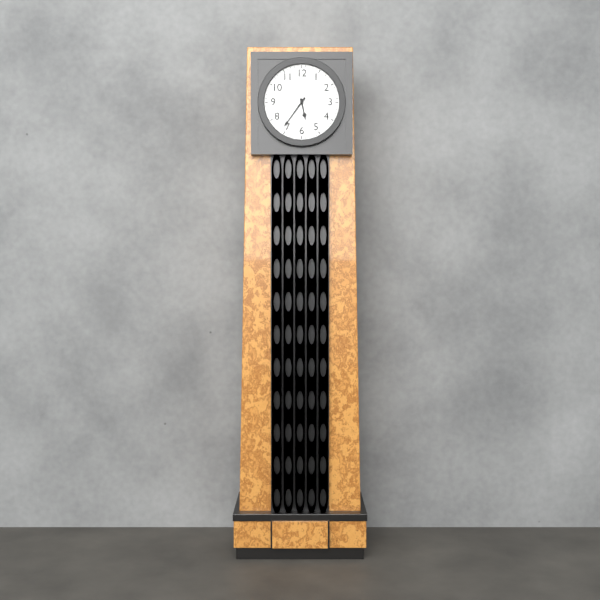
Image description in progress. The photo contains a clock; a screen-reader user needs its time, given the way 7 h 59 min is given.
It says 5 h 36 min
